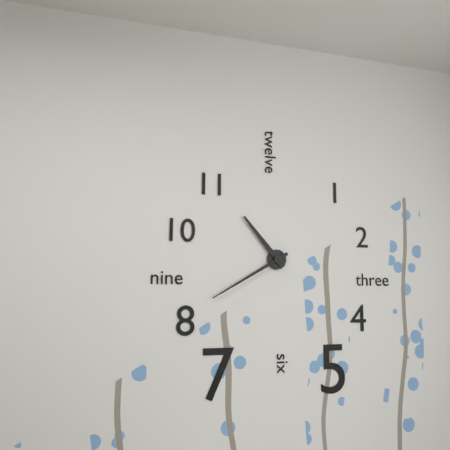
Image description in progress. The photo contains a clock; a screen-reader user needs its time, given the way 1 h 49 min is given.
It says 10 h 40 min
